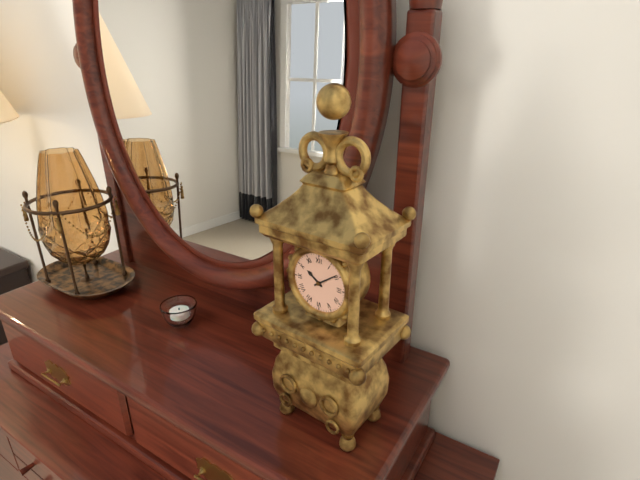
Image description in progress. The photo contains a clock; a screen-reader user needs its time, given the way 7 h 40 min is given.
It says 10 h 09 min
